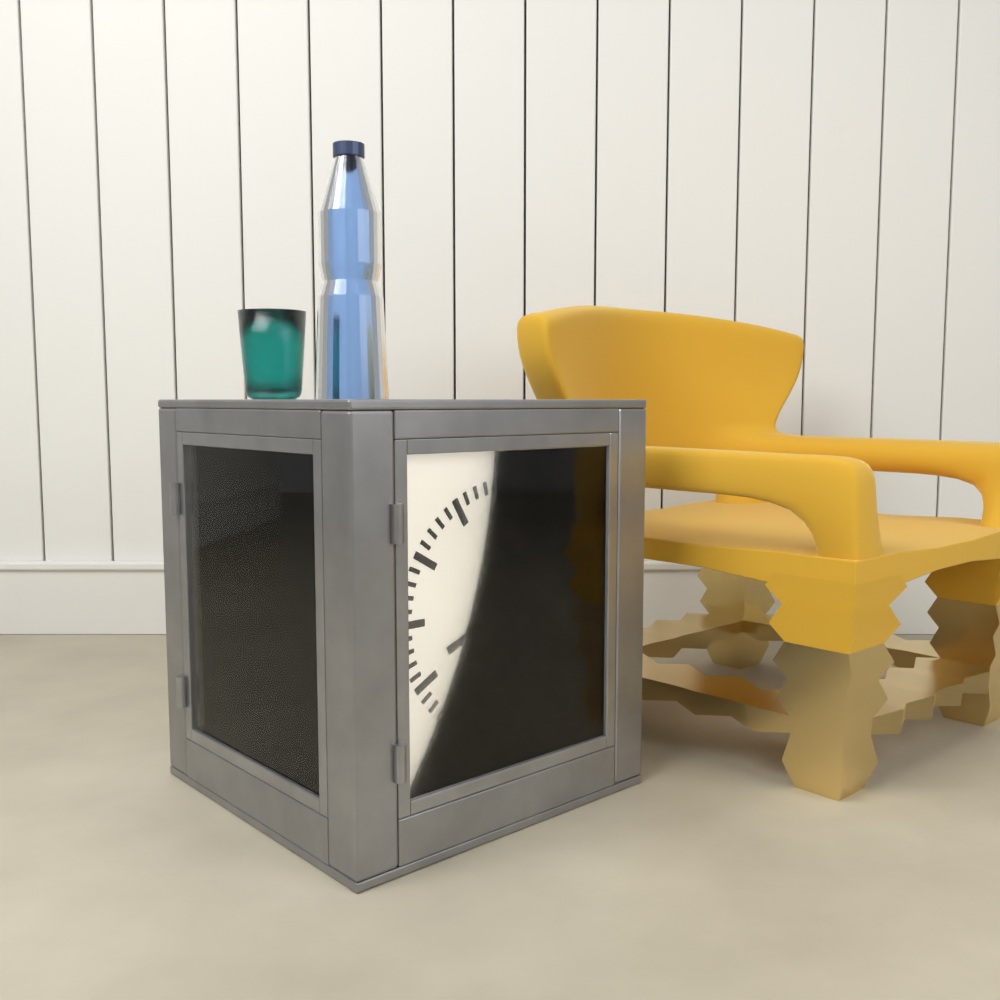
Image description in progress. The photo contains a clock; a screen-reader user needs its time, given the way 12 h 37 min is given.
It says 8 h 14 min
